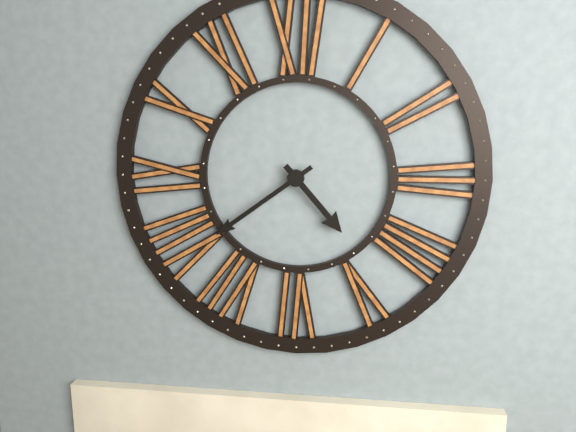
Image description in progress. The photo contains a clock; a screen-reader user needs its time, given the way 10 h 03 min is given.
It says 4 h 39 min
